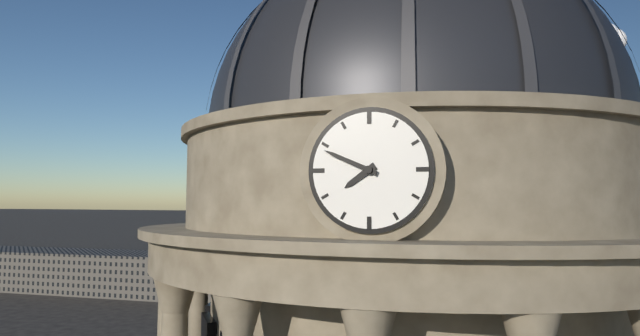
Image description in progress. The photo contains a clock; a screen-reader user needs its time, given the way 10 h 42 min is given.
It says 7 h 49 min
